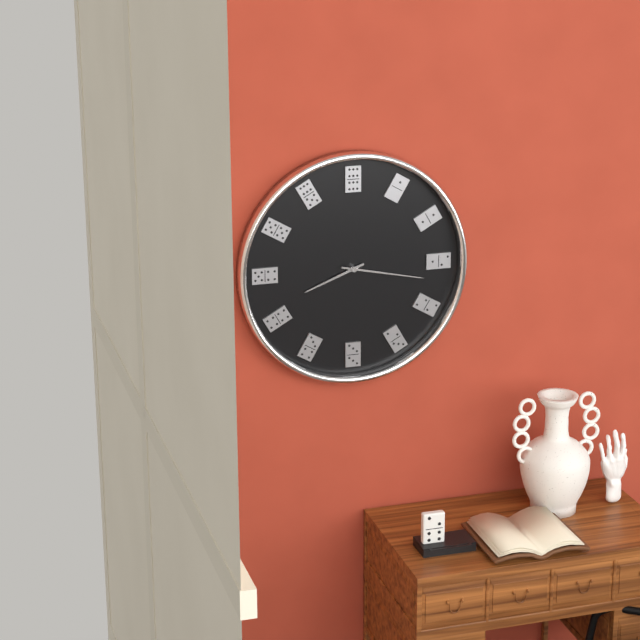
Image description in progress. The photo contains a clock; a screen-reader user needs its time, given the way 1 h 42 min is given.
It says 8 h 17 min
